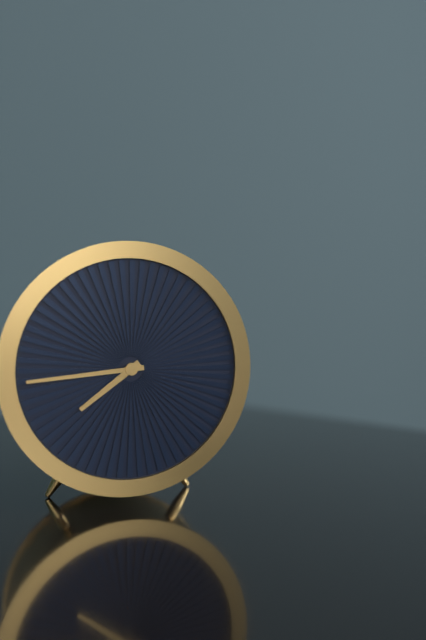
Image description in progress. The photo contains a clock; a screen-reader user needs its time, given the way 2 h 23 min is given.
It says 7 h 44 min
